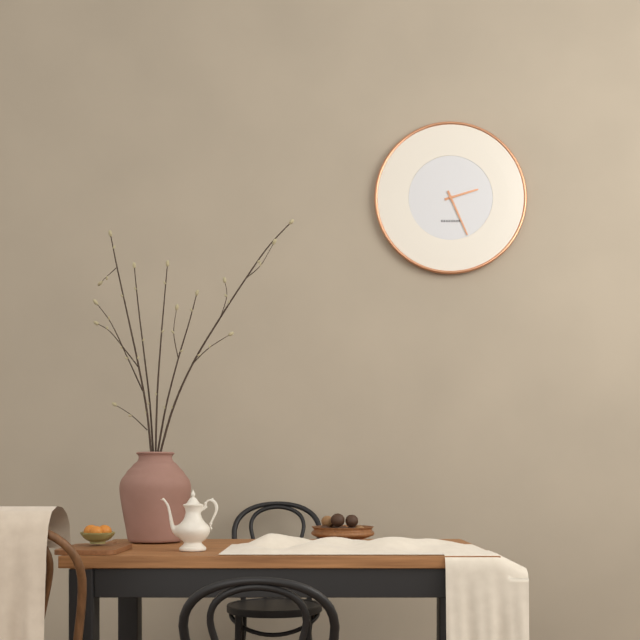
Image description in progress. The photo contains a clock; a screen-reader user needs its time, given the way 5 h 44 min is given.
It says 2 h 26 min
